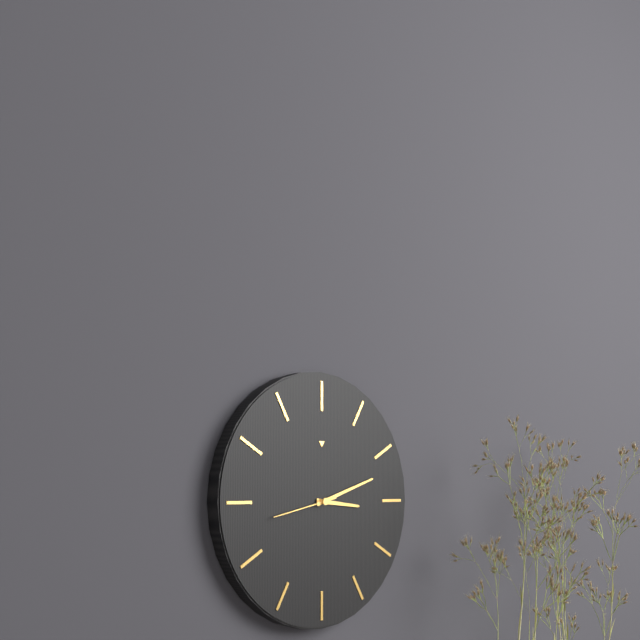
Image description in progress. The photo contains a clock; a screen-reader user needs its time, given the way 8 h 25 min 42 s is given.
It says 3 h 12 min 43 s
